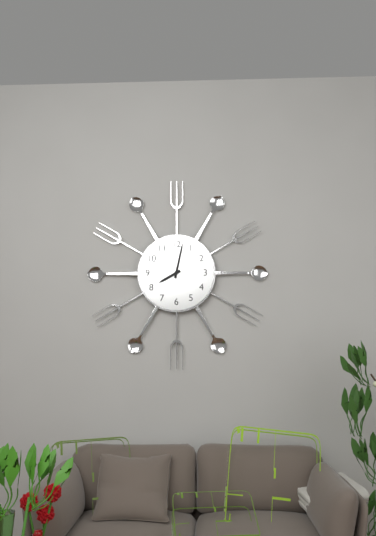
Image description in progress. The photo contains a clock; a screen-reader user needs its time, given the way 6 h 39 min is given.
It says 8 h 02 min
